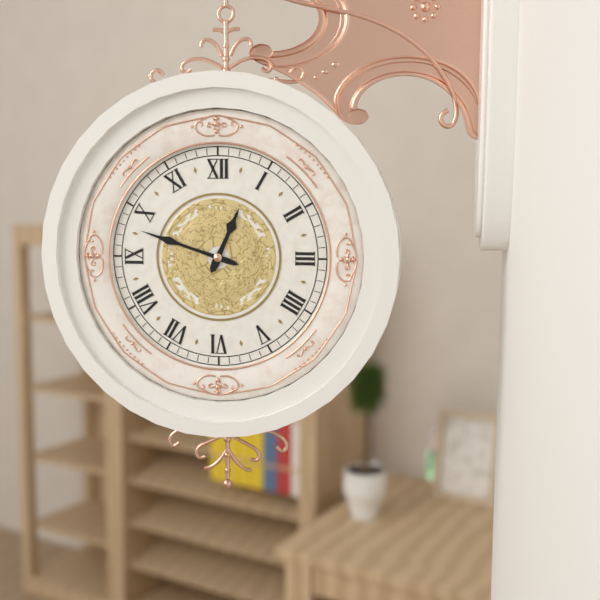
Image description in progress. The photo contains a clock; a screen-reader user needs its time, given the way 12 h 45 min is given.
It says 12 h 48 min
